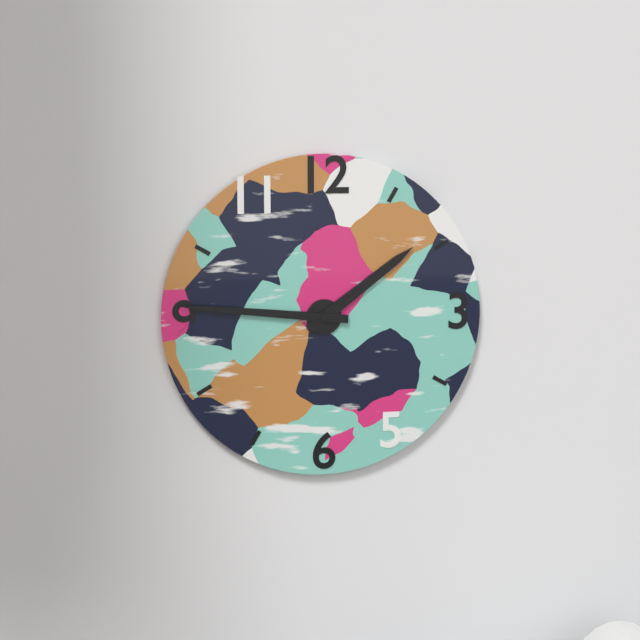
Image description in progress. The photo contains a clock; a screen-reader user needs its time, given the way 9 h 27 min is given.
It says 1 h 46 min
